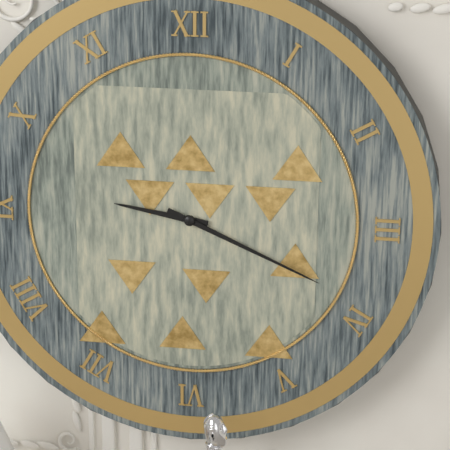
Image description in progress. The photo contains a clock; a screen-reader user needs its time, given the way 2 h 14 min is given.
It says 9 h 19 min
